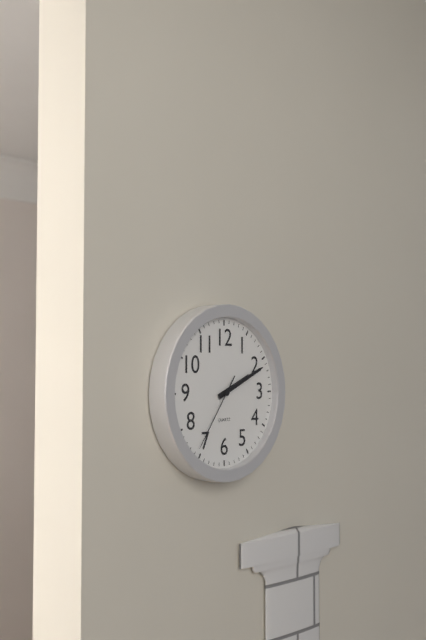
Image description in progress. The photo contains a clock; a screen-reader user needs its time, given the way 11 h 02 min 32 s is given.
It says 2 h 11 min 36 s
